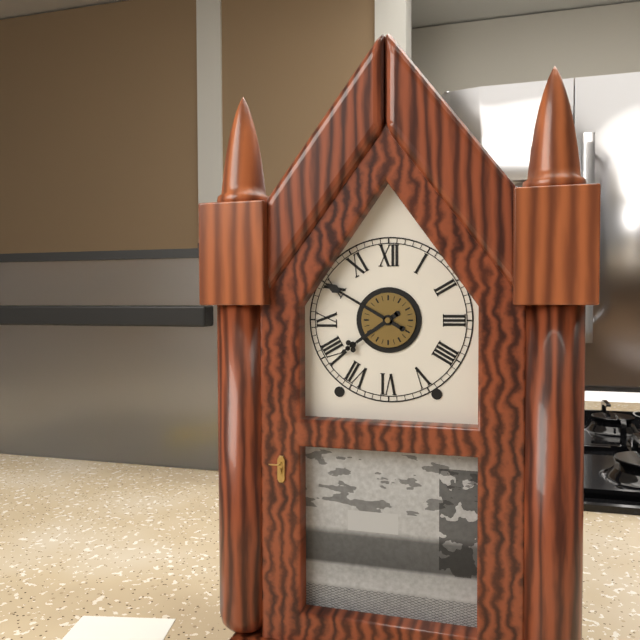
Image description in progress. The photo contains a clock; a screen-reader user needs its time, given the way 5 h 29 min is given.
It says 7 h 50 min
